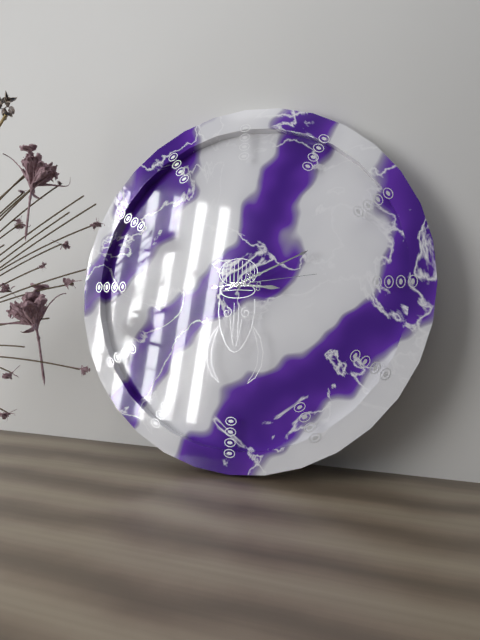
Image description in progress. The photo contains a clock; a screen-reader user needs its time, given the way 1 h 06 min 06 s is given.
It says 3 h 11 min 14 s
